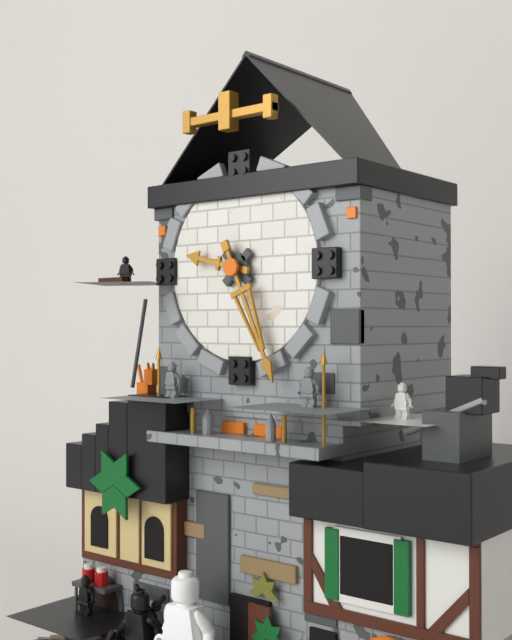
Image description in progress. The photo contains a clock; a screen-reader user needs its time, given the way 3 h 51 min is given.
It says 9 h 26 min
